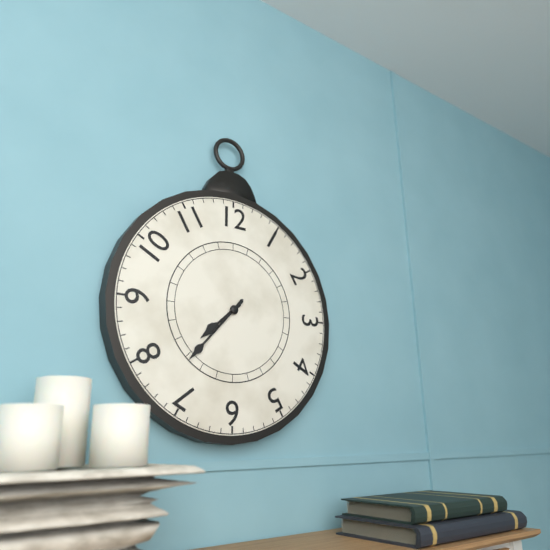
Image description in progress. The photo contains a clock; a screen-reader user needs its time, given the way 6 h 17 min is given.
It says 7 h 37 min
